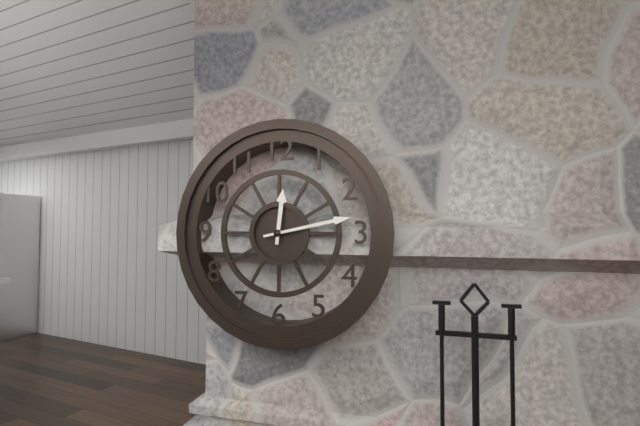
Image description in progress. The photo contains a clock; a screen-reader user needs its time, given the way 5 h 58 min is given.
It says 12 h 13 min
